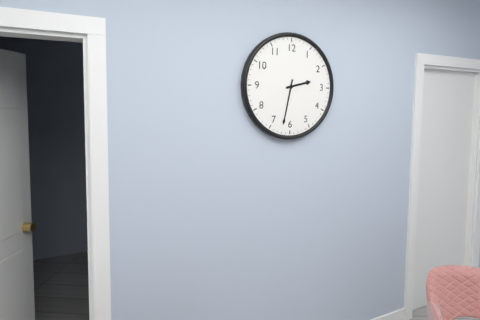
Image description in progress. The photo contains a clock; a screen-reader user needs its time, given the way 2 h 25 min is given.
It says 2 h 32 min
